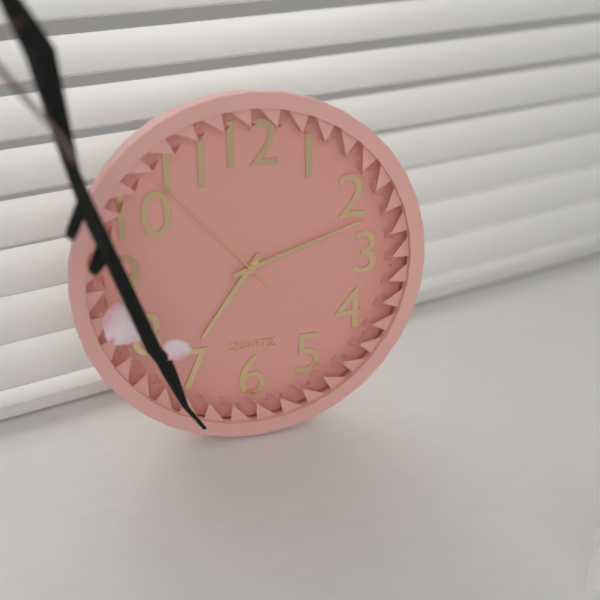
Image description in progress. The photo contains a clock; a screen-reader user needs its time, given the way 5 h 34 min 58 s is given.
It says 7 h 12 min 53 s
